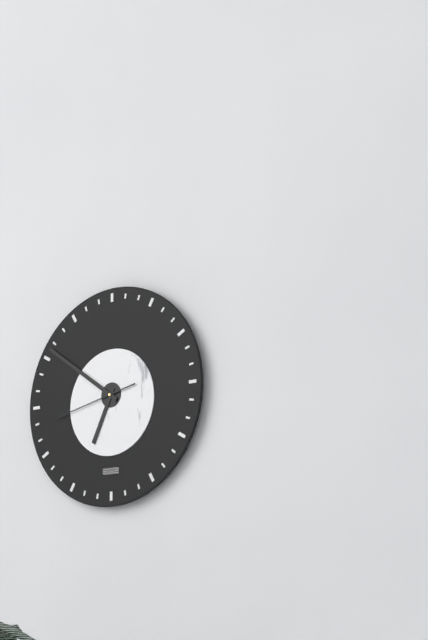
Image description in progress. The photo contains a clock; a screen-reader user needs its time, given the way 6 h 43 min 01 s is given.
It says 6 h 51 min 43 s
